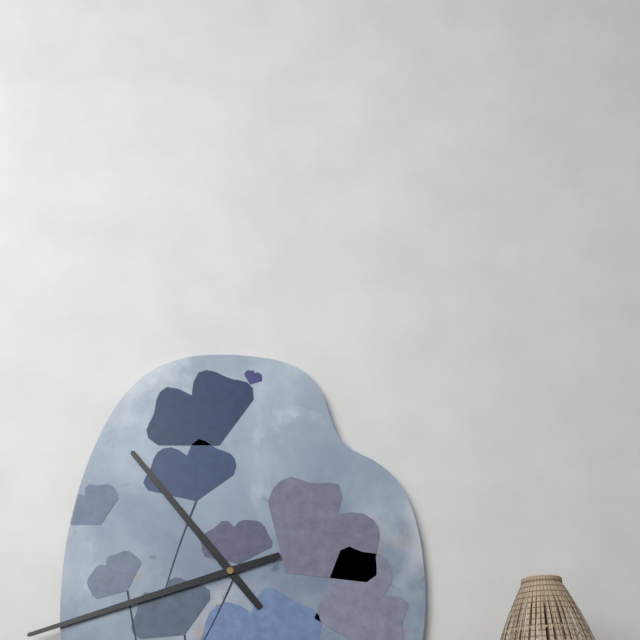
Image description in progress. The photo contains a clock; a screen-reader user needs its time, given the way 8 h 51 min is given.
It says 10 h 42 min
